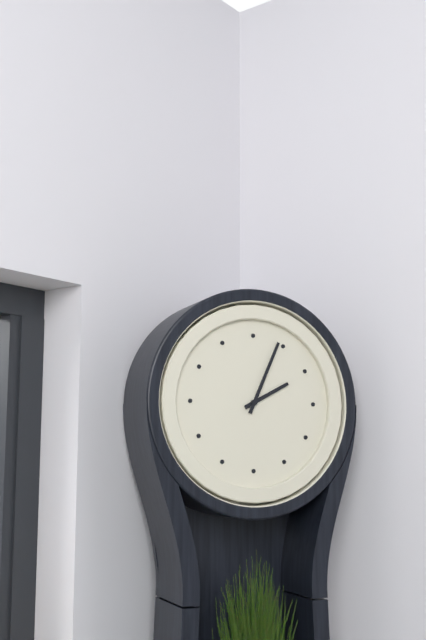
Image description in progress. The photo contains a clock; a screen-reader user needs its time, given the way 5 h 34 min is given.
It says 2 h 04 min
